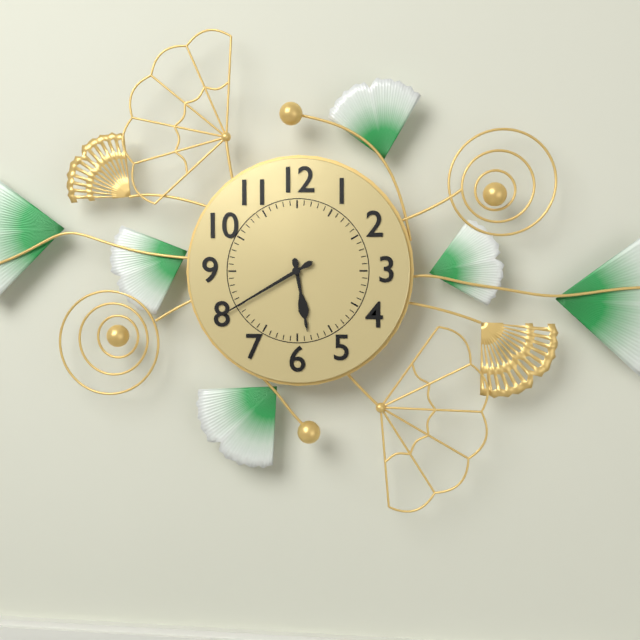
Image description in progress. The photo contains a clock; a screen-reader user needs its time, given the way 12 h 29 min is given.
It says 5 h 40 min
